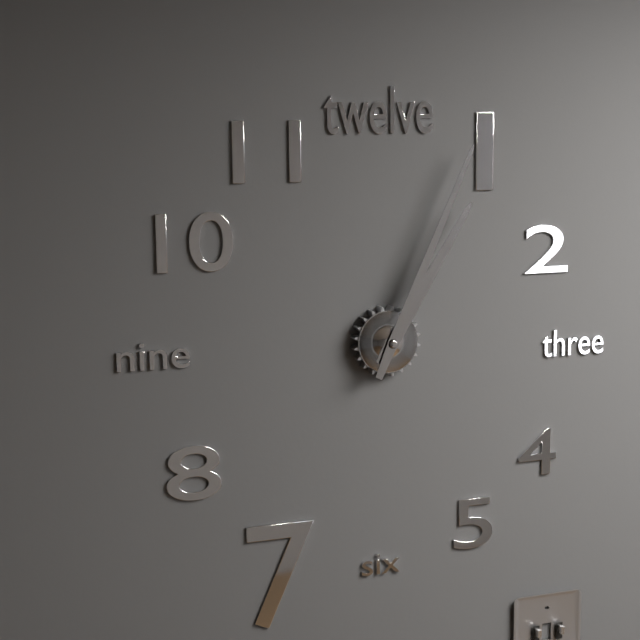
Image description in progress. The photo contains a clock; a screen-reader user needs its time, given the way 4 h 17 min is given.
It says 1 h 04 min
